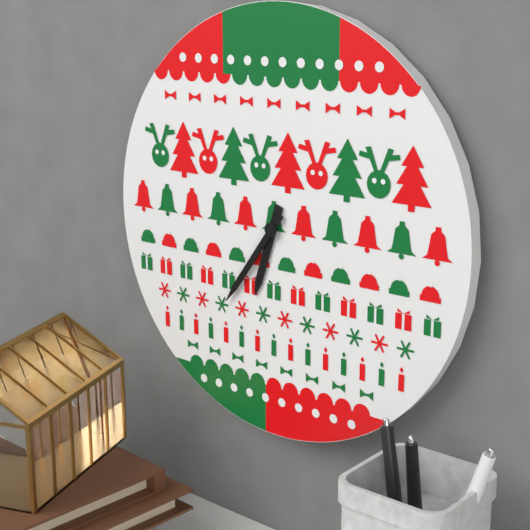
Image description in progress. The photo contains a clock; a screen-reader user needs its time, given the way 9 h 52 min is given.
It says 6 h 36 min
